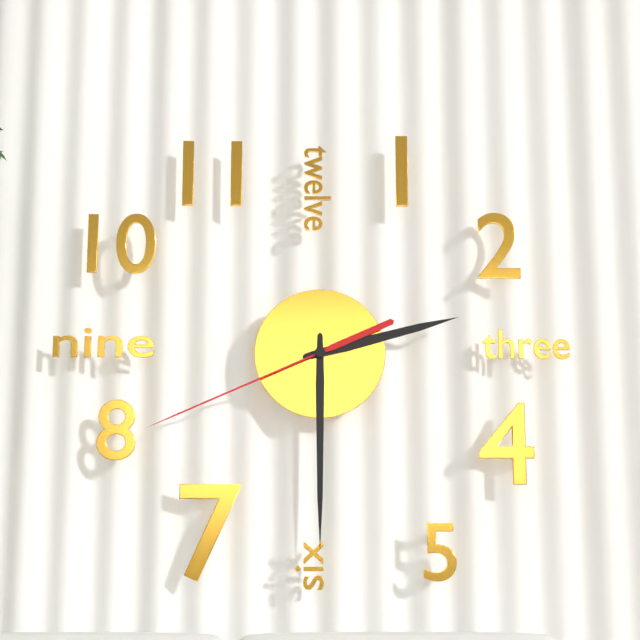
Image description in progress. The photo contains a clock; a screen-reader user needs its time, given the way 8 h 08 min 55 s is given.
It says 2 h 30 min 41 s
